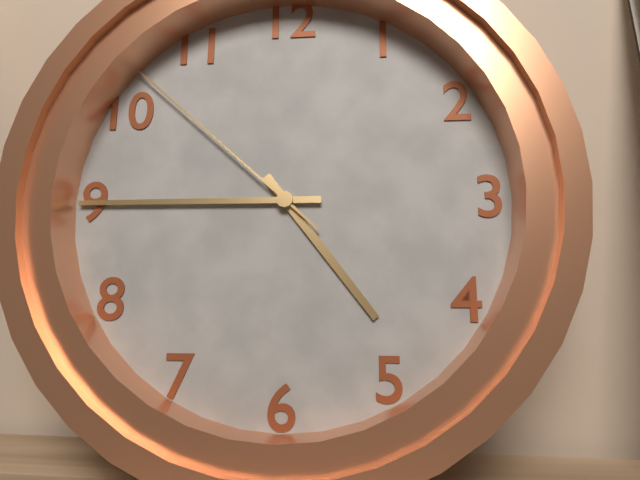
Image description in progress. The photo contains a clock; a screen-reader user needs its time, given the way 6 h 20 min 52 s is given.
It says 4 h 45 min 52 s
